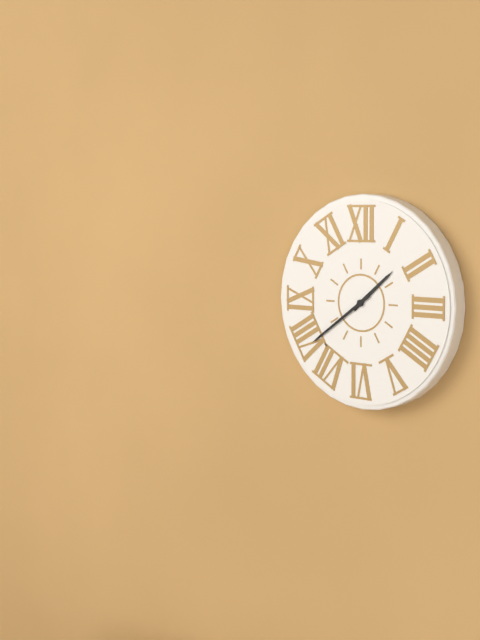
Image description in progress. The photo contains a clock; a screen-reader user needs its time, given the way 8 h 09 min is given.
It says 1 h 39 min
